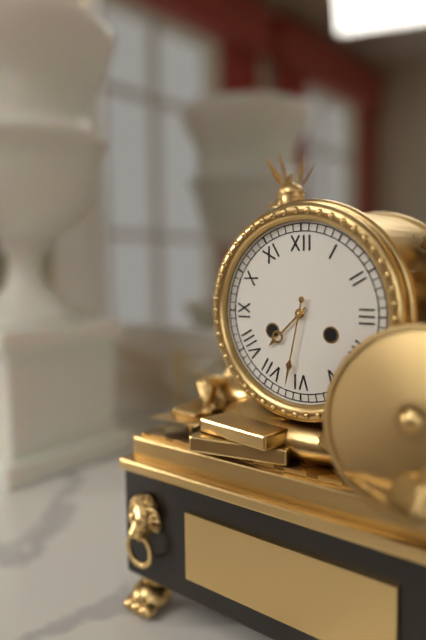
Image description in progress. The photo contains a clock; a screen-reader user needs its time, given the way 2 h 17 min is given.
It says 7 h 32 min
